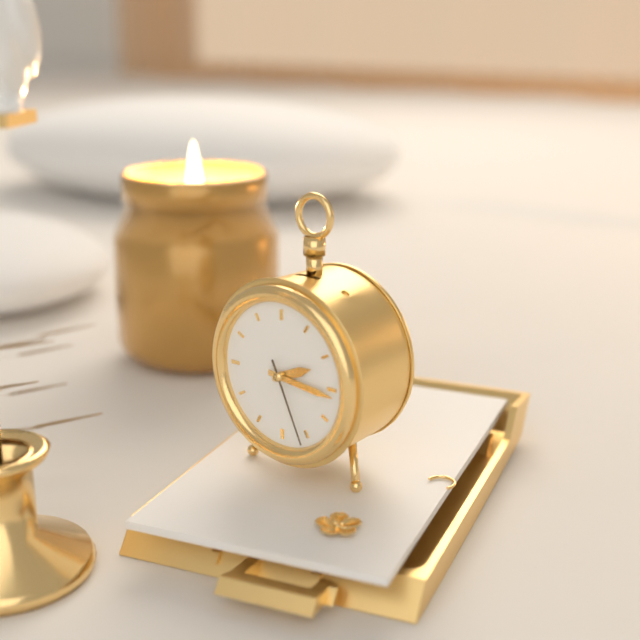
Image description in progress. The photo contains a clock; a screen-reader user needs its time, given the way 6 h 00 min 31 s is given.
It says 2 h 16 min 26 s
